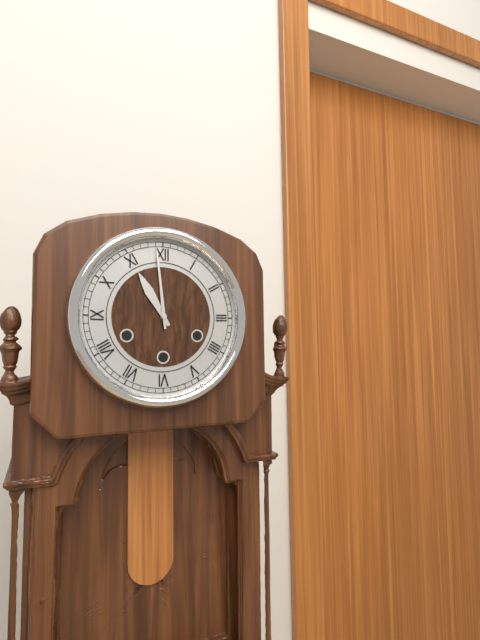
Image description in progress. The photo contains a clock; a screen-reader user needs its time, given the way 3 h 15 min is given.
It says 10 h 59 min
